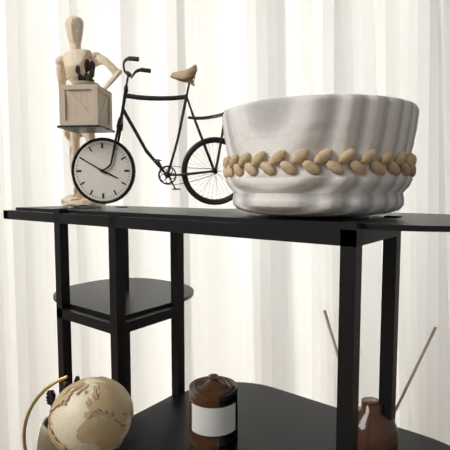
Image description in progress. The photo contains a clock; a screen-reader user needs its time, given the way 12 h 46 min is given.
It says 3 h 50 min
